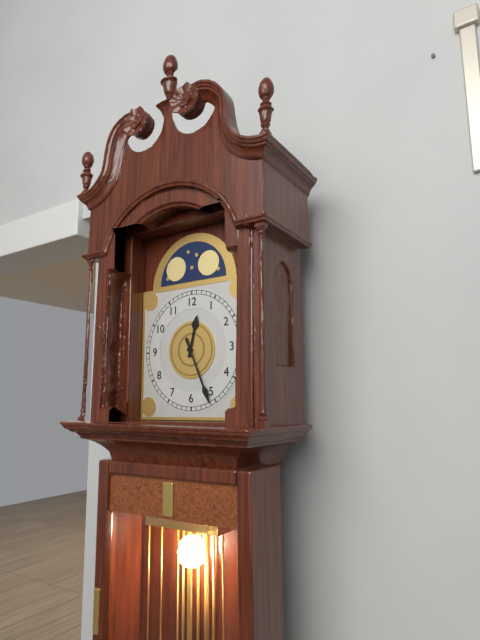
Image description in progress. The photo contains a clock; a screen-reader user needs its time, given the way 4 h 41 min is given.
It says 12 h 26 min
